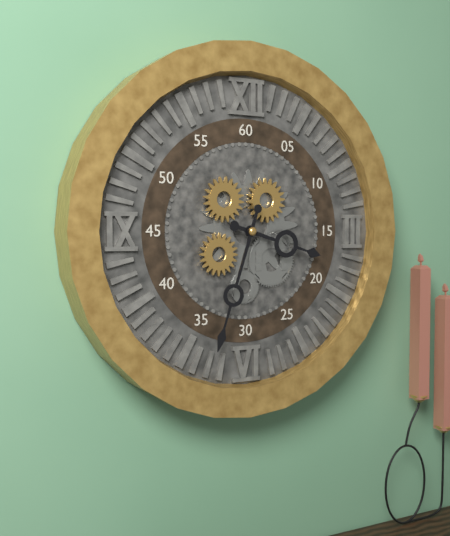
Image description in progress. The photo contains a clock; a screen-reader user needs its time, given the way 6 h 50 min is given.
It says 3 h 33 min
